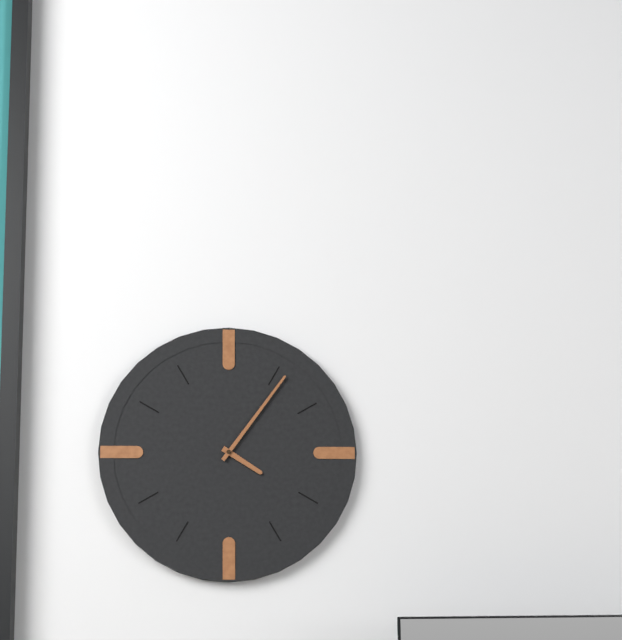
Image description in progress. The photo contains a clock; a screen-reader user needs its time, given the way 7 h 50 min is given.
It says 4 h 06 min
